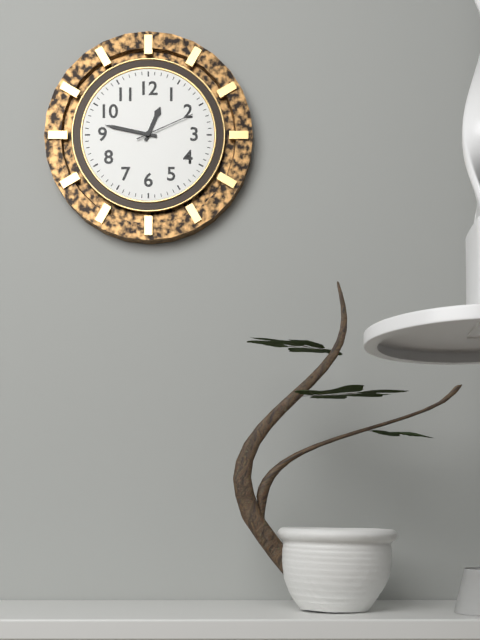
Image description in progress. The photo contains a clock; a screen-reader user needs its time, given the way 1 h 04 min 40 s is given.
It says 12 h 47 min 11 s
